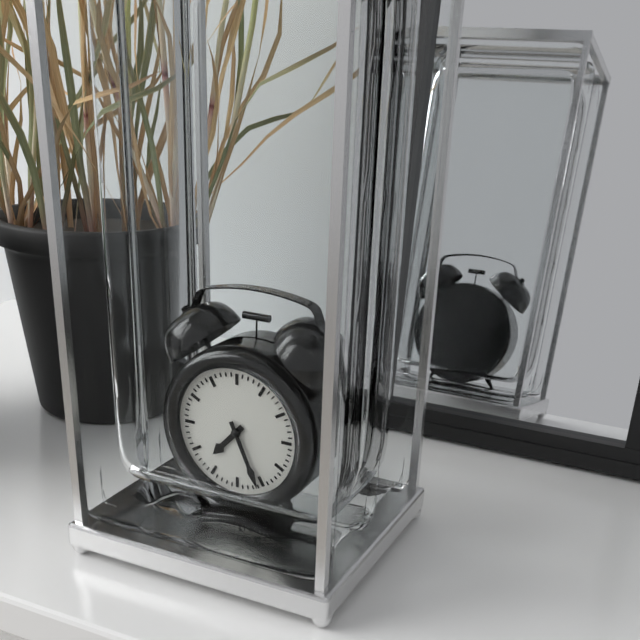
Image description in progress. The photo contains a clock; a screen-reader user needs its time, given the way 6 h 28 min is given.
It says 7 h 26 min
